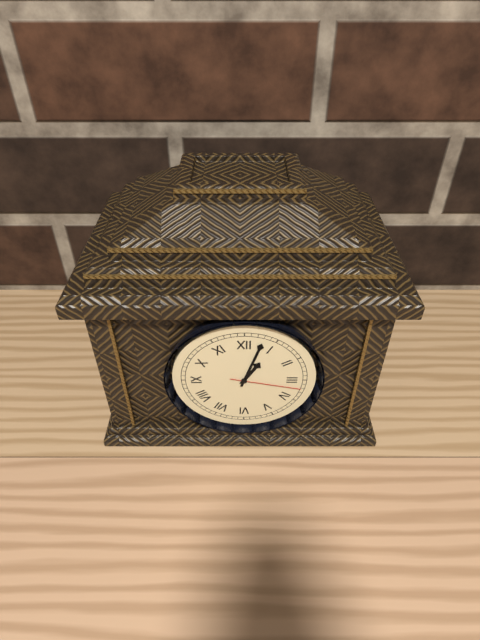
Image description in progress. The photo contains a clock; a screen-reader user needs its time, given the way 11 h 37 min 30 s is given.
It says 1 h 03 min 17 s
